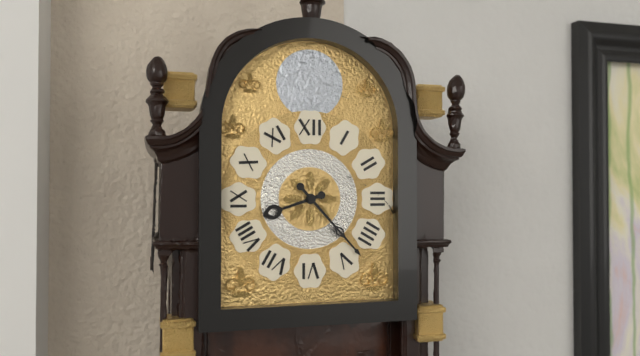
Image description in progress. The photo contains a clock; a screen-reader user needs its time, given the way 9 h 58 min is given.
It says 8 h 23 min
